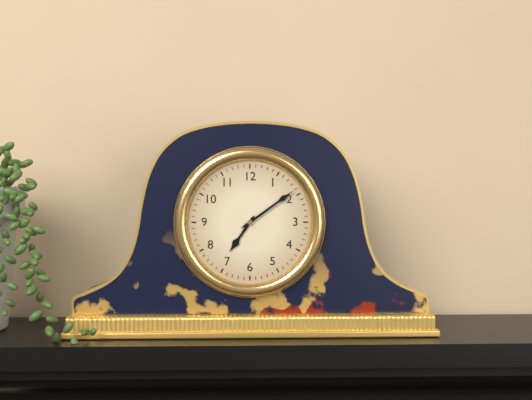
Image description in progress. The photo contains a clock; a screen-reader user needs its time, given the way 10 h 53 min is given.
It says 7 h 09 min
